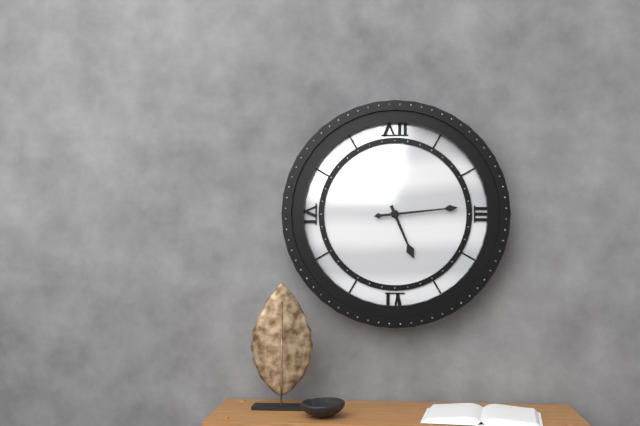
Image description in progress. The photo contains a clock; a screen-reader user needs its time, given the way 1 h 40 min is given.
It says 5 h 14 min
